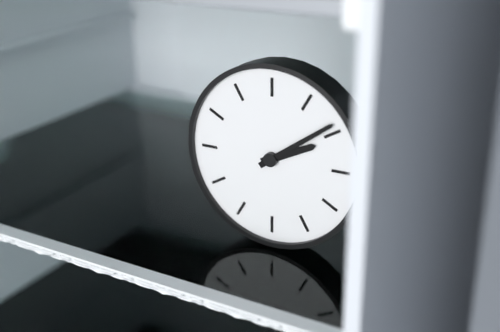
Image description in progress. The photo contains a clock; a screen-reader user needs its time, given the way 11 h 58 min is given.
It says 2 h 09 min
